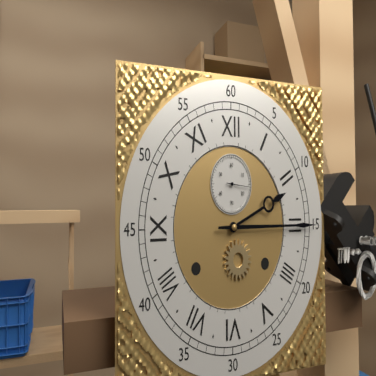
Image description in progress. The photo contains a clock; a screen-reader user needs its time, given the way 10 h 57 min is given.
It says 2 h 15 min
